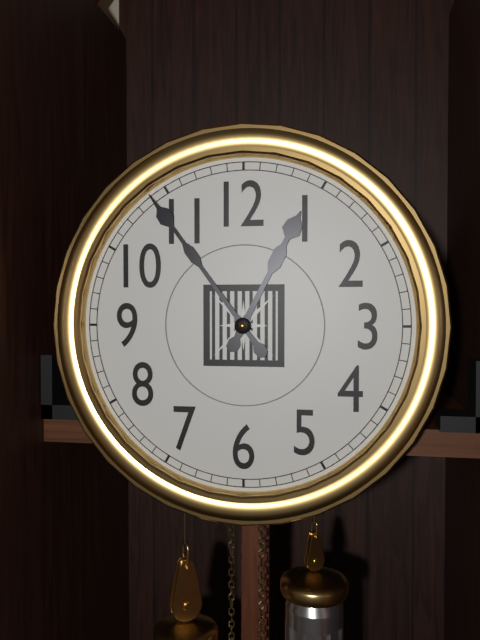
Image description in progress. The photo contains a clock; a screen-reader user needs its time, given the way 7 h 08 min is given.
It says 12 h 54 min
